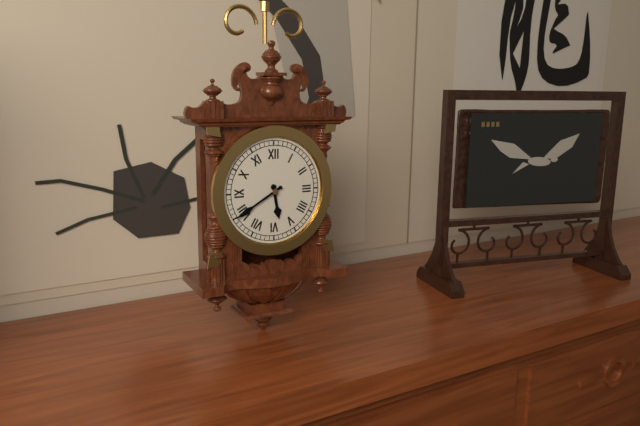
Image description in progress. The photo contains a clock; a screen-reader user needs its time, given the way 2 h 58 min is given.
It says 5 h 40 min
